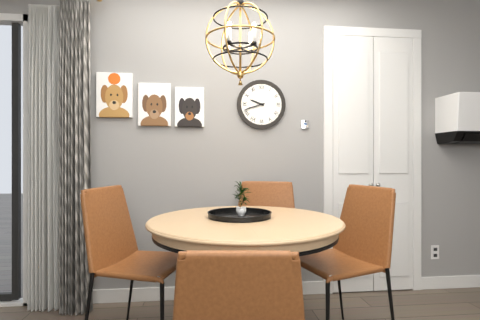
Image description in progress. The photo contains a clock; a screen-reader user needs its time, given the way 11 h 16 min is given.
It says 9 h 42 min
